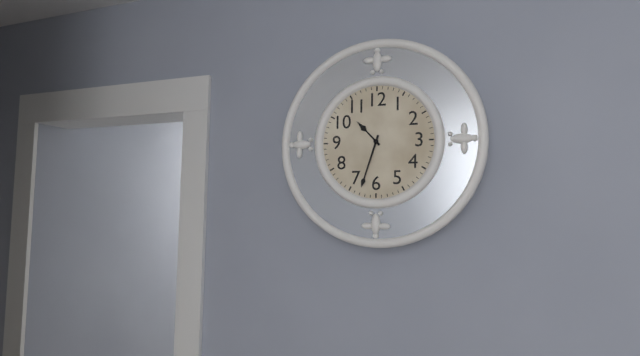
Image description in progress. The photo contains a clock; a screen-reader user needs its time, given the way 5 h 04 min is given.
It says 10 h 33 min
